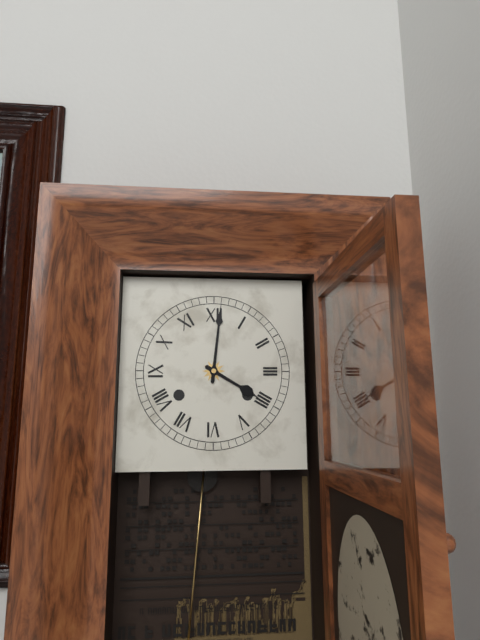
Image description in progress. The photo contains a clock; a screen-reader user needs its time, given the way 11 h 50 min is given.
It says 4 h 01 min
